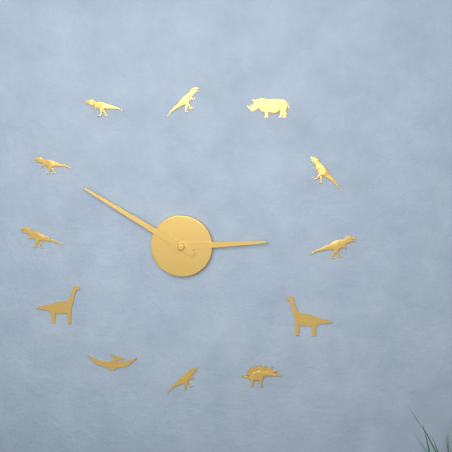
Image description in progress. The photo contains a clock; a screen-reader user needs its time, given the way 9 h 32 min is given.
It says 2 h 50 min
